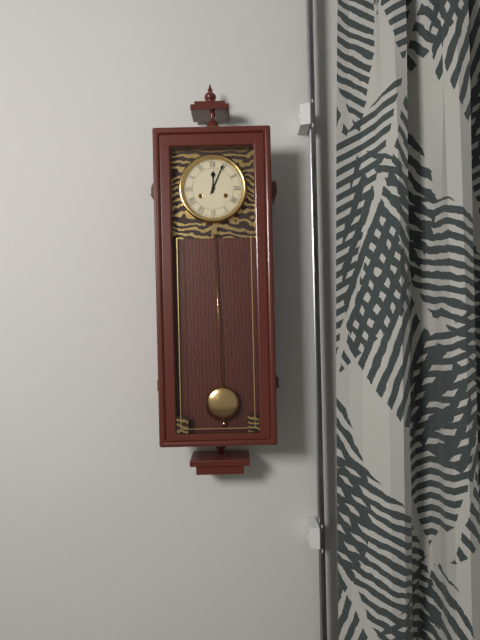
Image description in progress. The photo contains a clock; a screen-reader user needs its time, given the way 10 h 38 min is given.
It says 12 h 04 min
